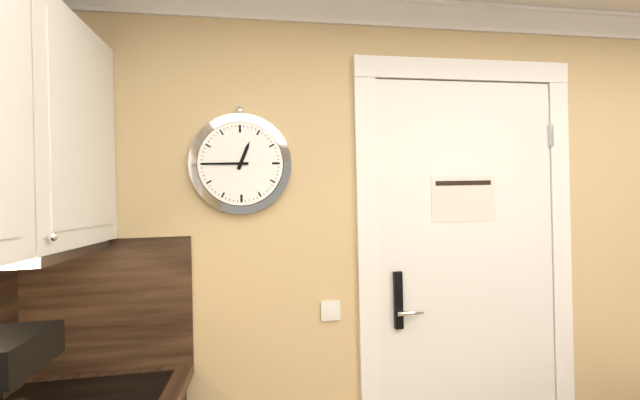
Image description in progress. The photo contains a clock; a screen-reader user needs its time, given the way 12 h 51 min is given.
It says 12 h 45 min
